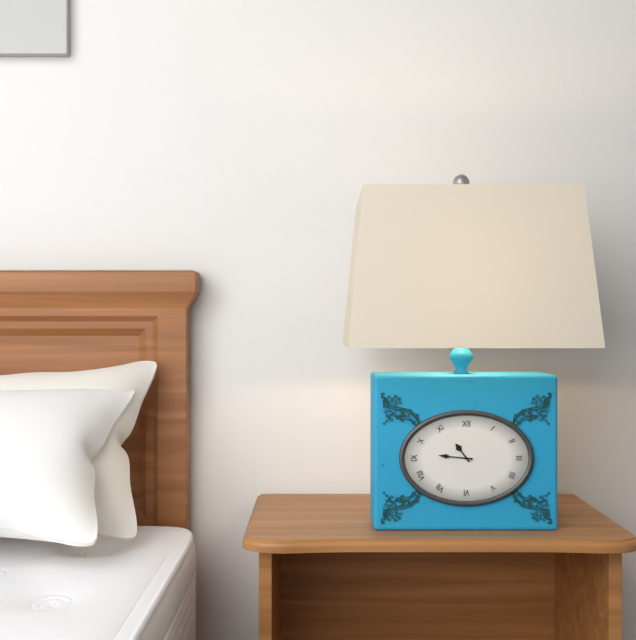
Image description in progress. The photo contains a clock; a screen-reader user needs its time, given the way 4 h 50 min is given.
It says 10 h 46 min
